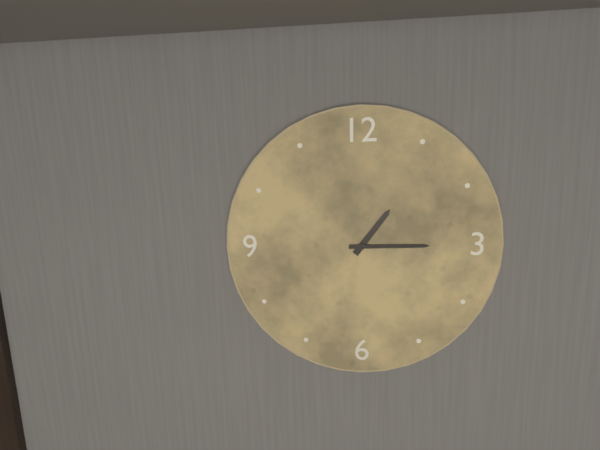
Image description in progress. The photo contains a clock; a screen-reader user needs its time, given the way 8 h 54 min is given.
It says 1 h 15 min
